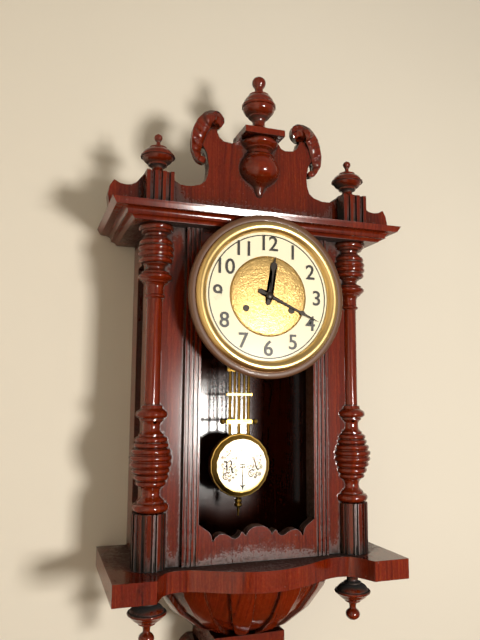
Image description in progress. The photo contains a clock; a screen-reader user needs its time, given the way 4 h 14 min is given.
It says 12 h 19 min
